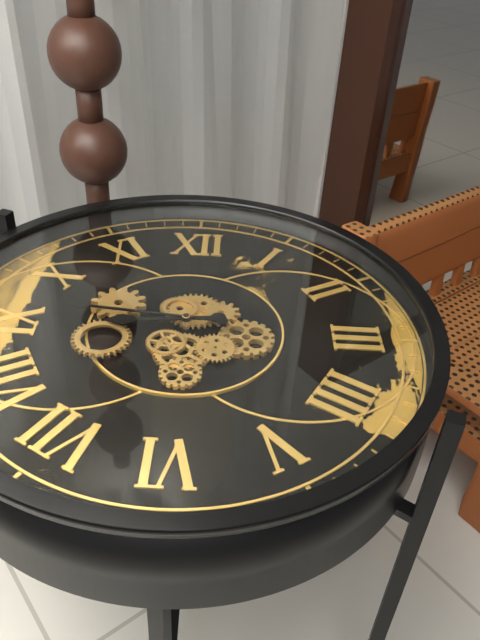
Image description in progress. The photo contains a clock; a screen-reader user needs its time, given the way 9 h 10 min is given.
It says 8 h 46 min
